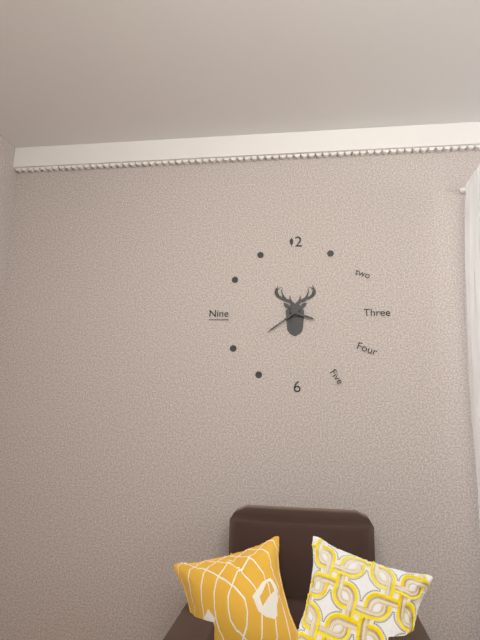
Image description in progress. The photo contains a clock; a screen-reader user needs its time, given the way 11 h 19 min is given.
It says 3 h 39 min
